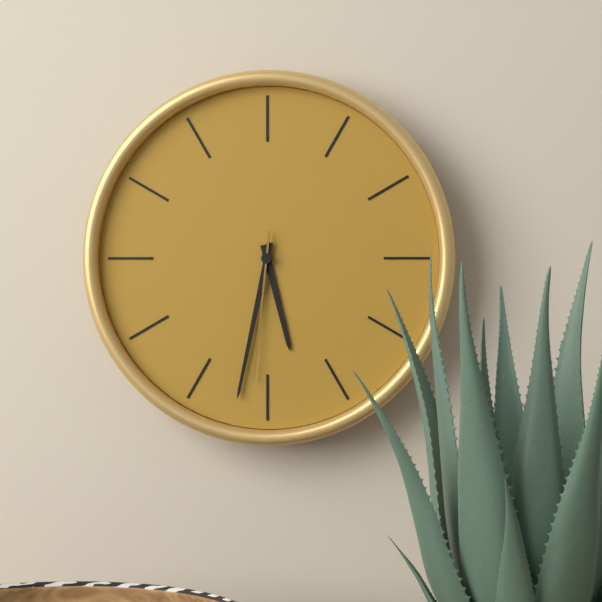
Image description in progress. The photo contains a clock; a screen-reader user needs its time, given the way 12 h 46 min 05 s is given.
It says 5 h 32 min 31 s
